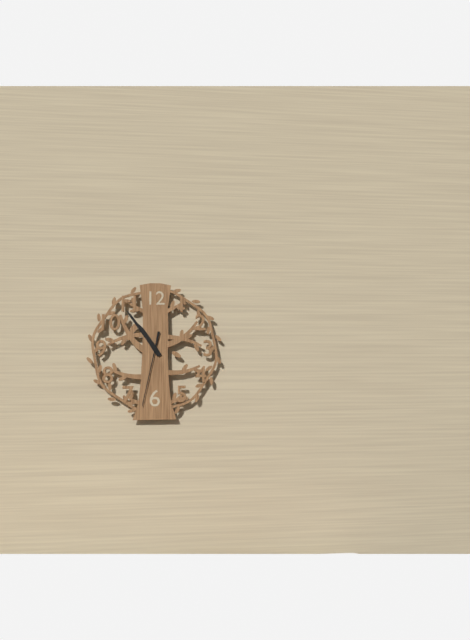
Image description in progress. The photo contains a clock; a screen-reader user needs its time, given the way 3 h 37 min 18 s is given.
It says 10 h 54 min 32 s
